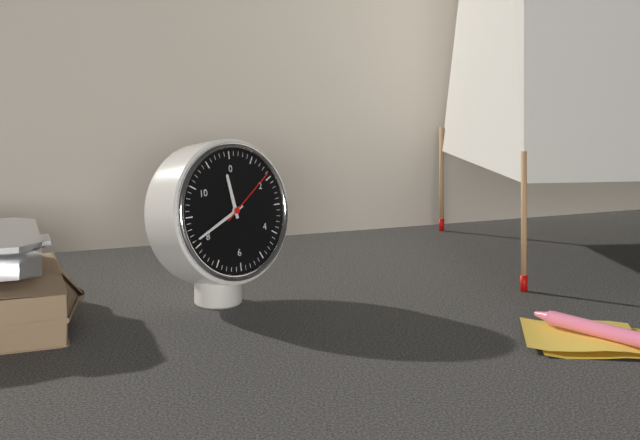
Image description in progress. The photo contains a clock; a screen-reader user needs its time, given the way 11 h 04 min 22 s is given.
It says 11 h 41 min 09 s
